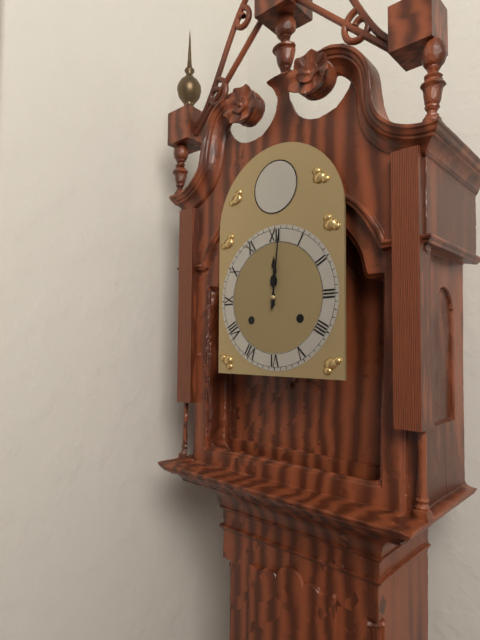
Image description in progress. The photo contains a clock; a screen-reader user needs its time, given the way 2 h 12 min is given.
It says 12 h 01 min
